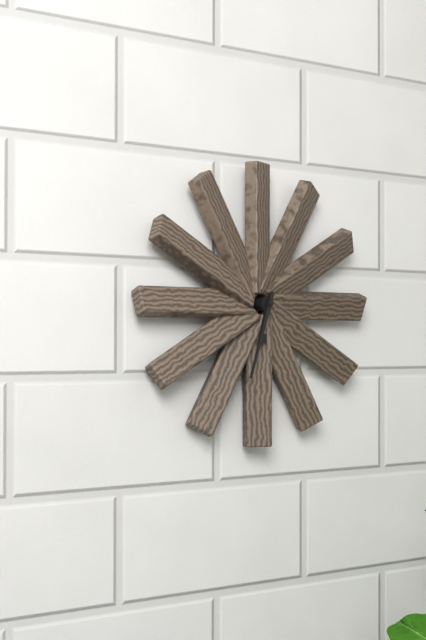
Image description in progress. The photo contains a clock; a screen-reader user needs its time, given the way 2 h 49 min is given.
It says 6 h 33 min
